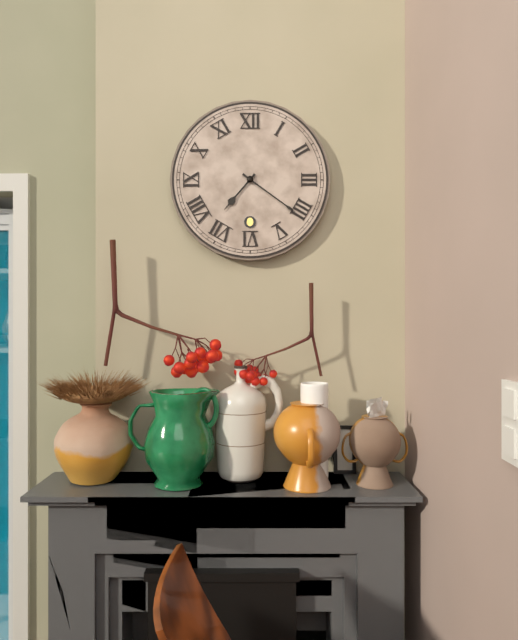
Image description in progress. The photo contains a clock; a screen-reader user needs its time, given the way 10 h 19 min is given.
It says 7 h 21 min
